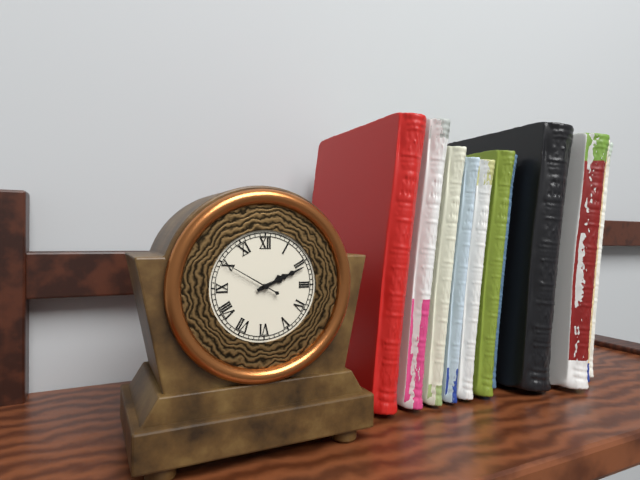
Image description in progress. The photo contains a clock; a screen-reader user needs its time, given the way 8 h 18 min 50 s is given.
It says 2 h 11 min 50 s
